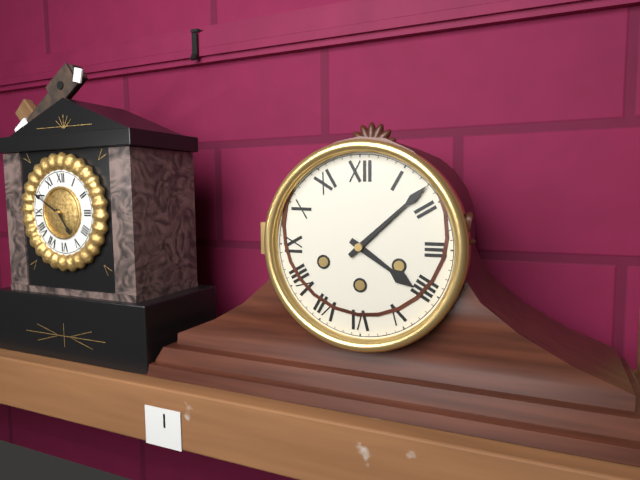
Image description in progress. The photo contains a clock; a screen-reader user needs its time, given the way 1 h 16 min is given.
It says 4 h 08 min
